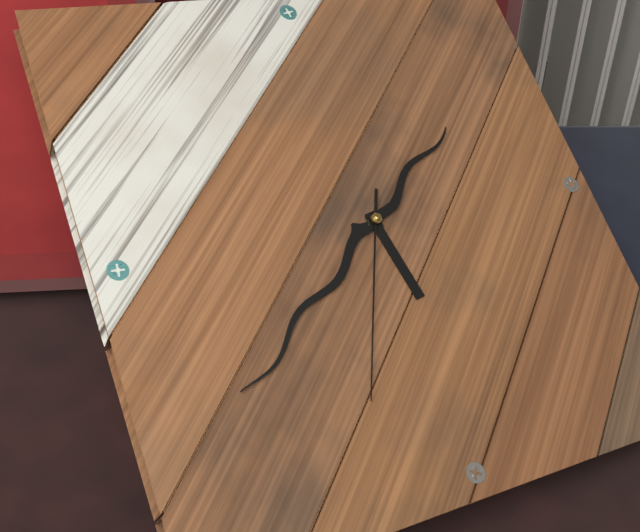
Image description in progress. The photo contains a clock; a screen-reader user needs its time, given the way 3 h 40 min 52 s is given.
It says 5 h 39 min 34 s
